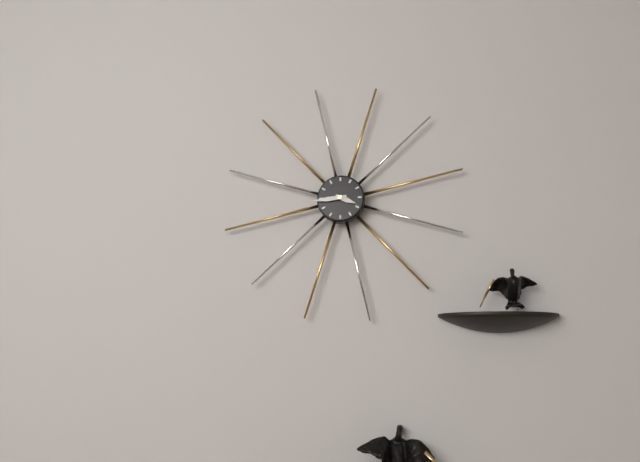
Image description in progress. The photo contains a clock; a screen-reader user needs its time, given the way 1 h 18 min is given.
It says 3 h 44 min
